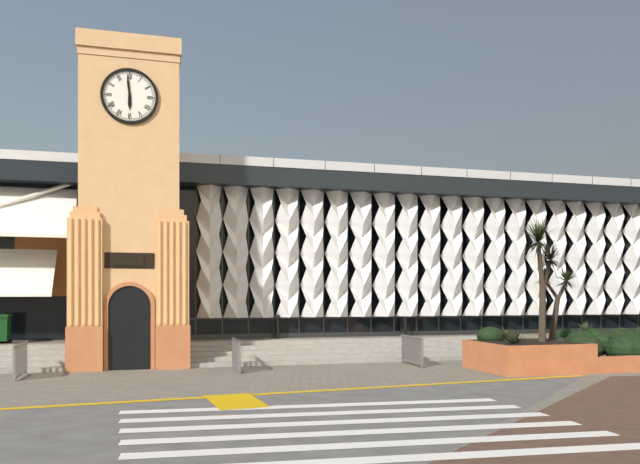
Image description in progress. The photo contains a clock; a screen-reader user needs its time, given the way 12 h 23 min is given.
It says 5 h 59 min
